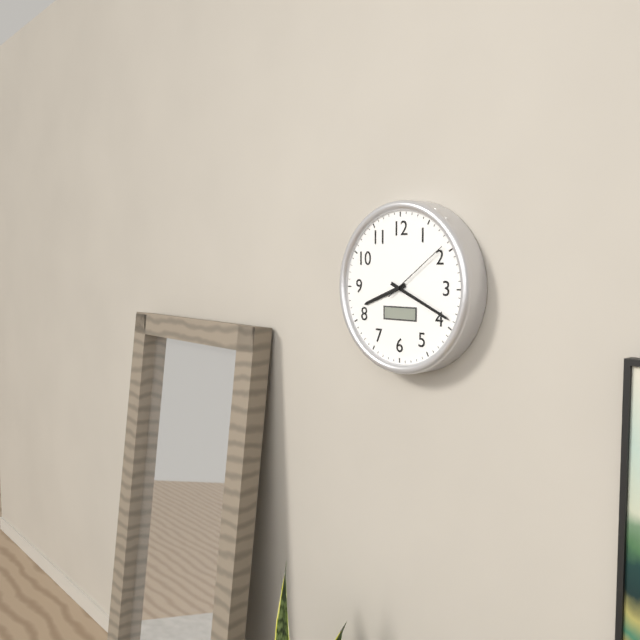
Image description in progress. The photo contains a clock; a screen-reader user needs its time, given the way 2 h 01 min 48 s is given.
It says 8 h 19 min 09 s
